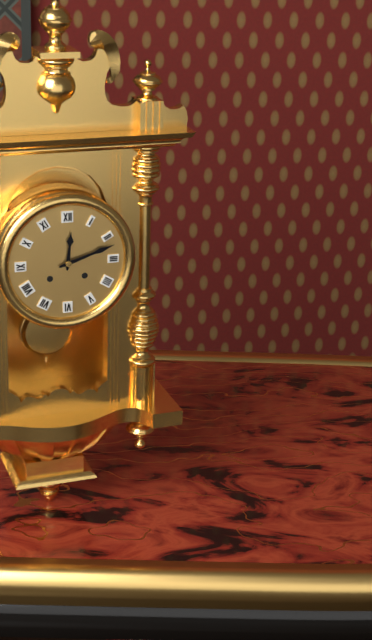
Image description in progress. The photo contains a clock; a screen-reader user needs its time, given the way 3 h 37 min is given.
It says 12 h 12 min
